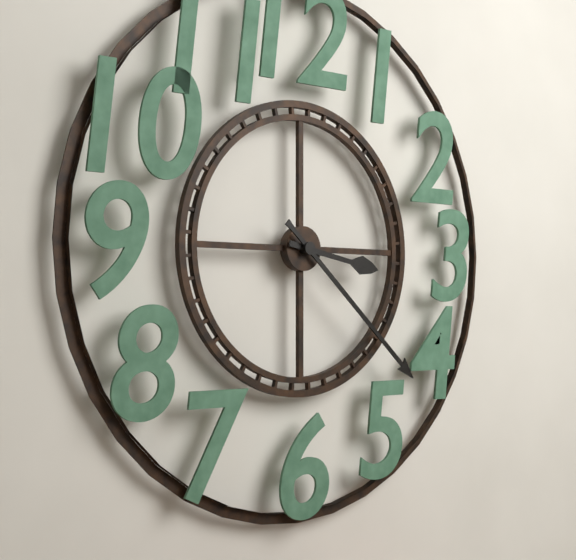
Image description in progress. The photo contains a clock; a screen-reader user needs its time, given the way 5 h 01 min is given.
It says 3 h 22 min
